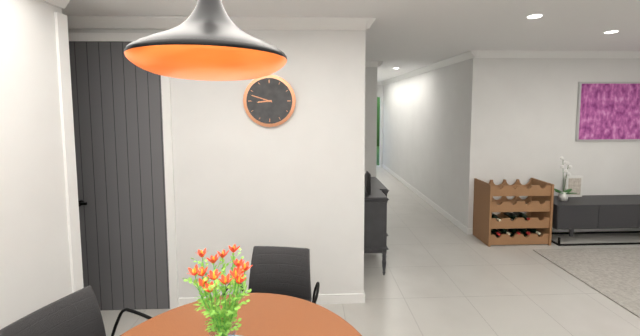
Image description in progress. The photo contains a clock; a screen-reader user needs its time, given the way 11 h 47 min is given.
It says 8 h 48 min
